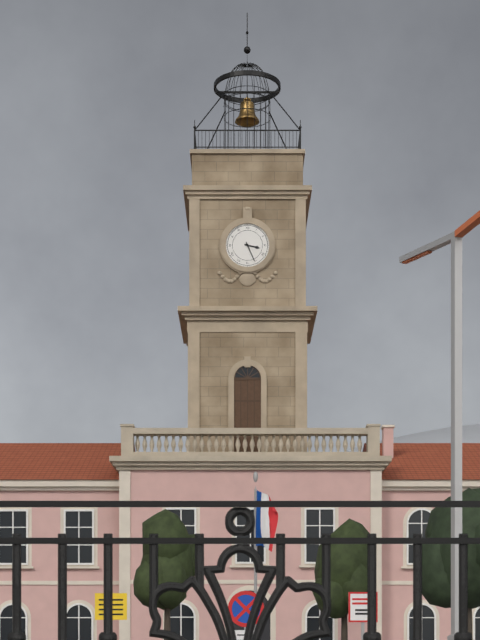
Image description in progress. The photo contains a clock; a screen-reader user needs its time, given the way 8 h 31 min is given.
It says 3 h 26 min
